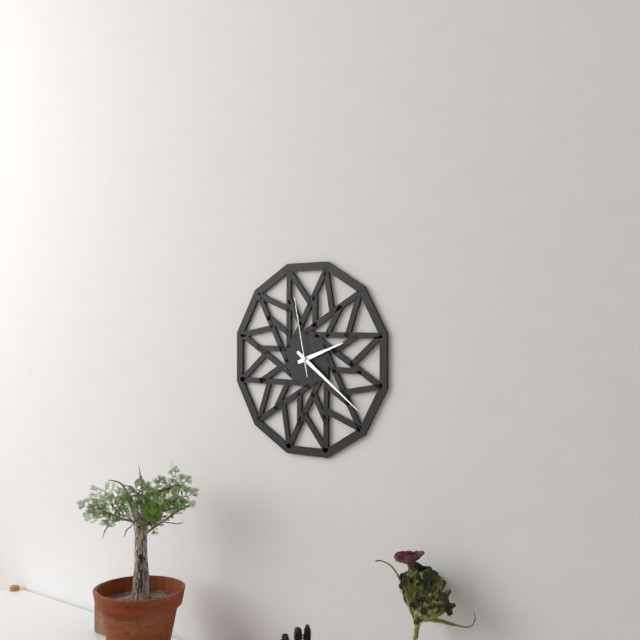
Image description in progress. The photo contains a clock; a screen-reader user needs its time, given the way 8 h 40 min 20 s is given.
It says 2 h 21 min 58 s
